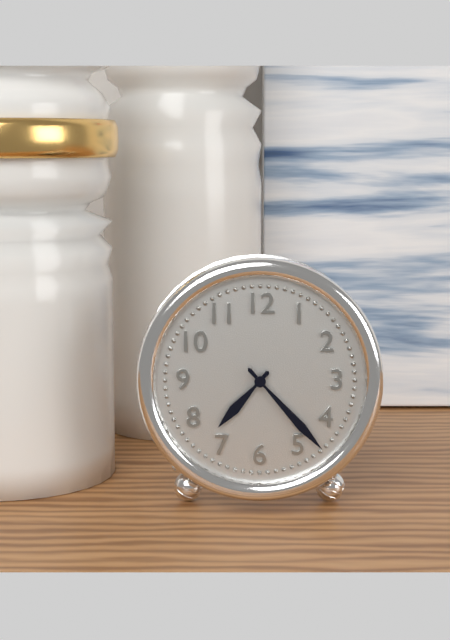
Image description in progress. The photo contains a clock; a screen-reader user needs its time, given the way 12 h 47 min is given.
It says 7 h 23 min
